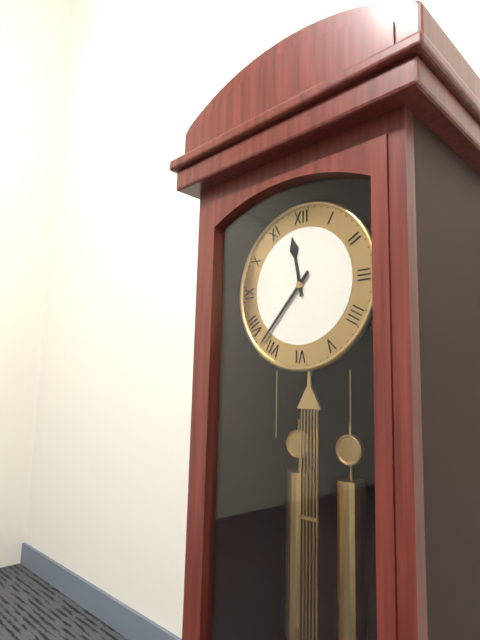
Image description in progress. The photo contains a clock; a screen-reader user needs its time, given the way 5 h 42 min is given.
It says 11 h 37 min
